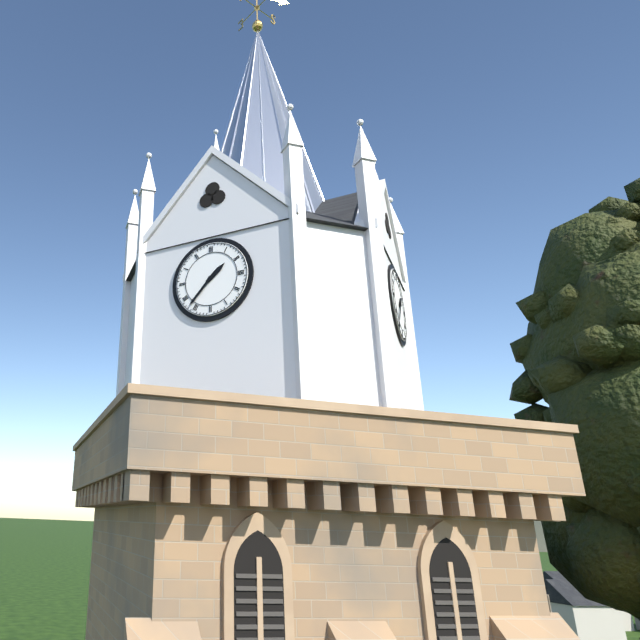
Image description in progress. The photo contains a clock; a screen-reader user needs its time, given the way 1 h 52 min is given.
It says 1 h 37 min
